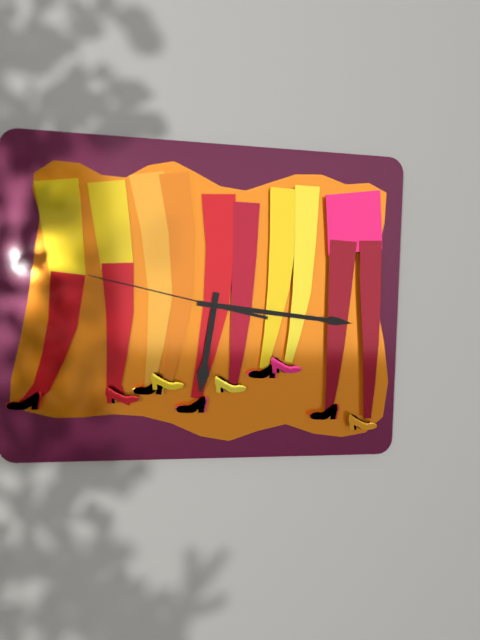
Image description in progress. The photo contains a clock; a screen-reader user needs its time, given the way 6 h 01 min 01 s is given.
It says 6 h 16 min 47 s
